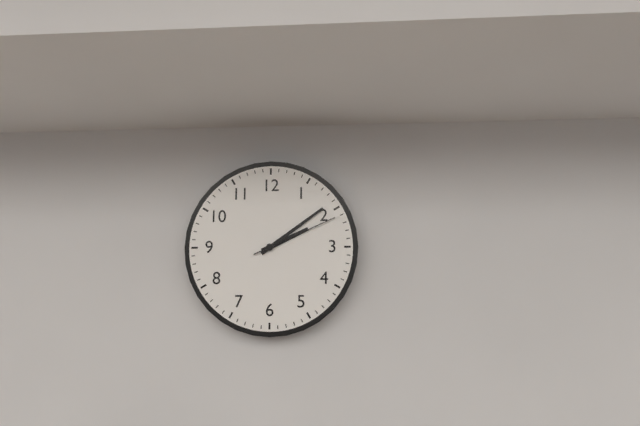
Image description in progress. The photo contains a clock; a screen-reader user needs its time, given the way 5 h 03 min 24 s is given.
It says 2 h 09 min 11 s
